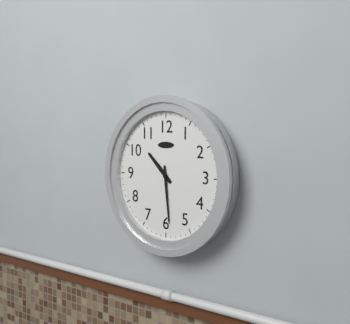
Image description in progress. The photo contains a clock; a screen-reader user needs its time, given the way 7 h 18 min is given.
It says 10 h 29 min
